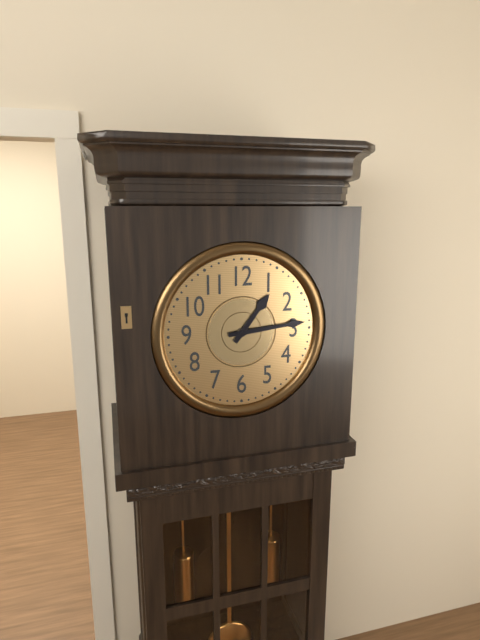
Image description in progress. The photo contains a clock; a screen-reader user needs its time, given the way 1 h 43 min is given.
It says 1 h 14 min
